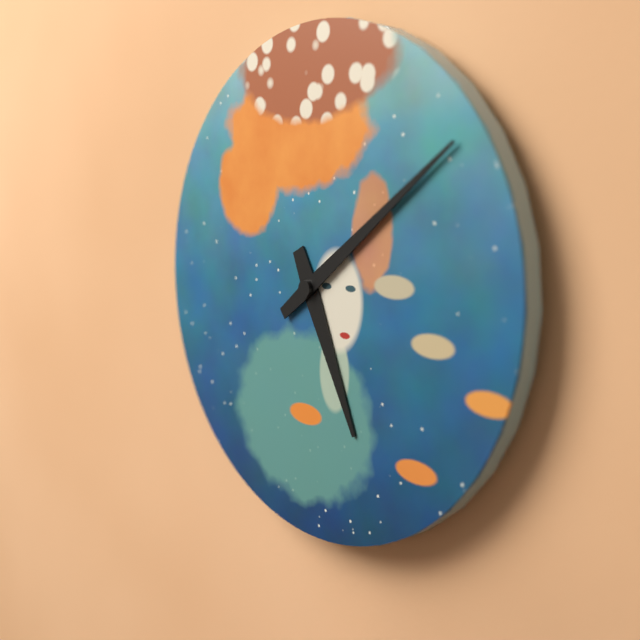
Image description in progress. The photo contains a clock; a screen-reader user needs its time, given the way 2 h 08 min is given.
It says 5 h 09 min
